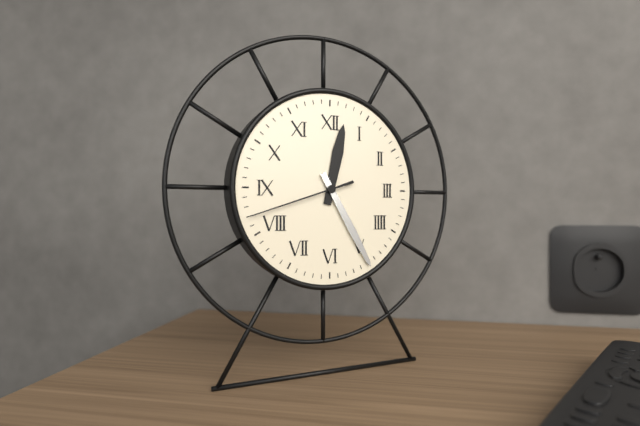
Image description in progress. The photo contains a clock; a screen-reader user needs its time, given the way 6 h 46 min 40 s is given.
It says 12 h 25 min 42 s
